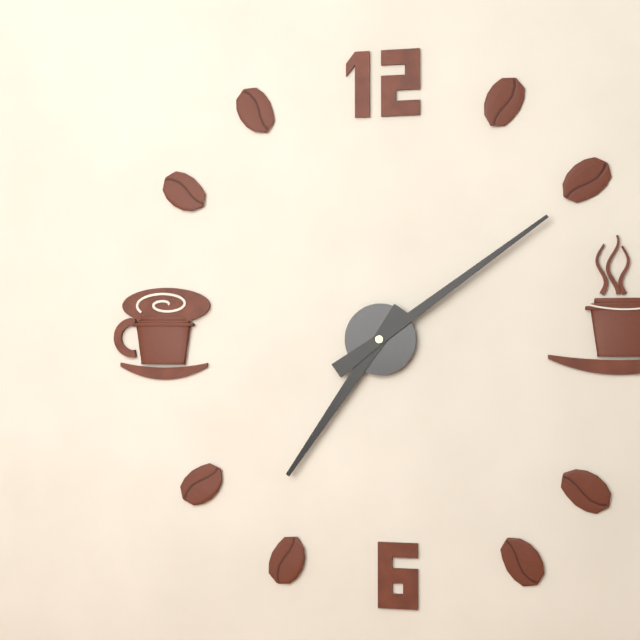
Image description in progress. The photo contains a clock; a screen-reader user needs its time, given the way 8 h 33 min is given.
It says 7 h 09 min
